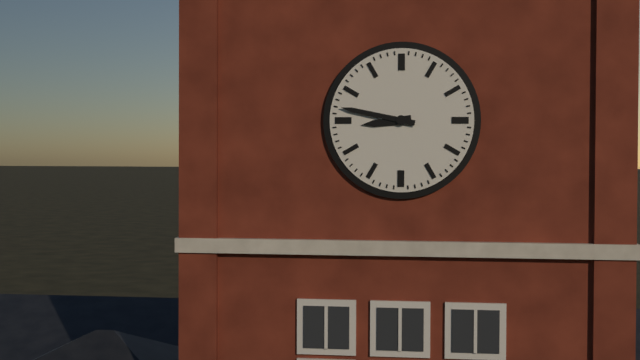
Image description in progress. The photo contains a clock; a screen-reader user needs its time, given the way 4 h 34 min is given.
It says 8 h 47 min
